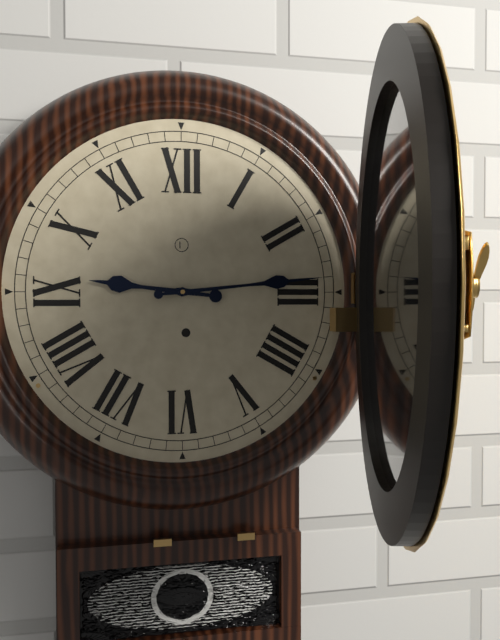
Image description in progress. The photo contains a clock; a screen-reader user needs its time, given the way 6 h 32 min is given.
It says 9 h 14 min
